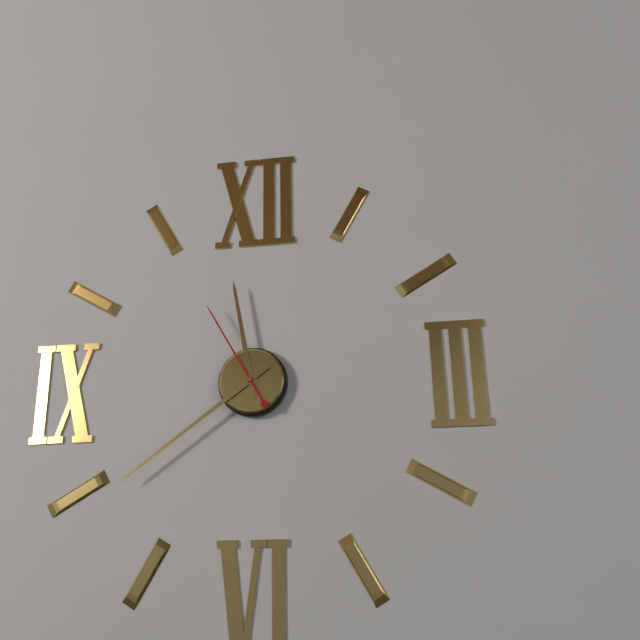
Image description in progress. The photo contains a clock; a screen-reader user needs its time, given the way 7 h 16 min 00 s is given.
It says 11 h 39 min 55 s
